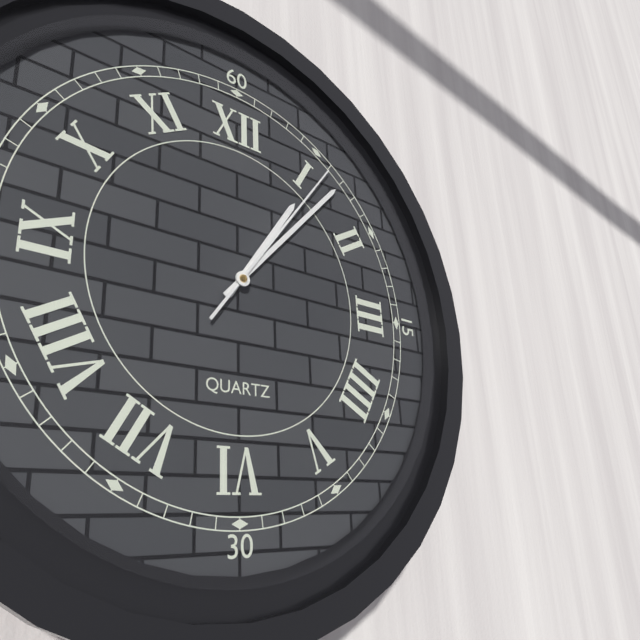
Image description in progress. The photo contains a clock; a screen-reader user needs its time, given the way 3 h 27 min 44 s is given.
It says 1 h 07 min 06 s
